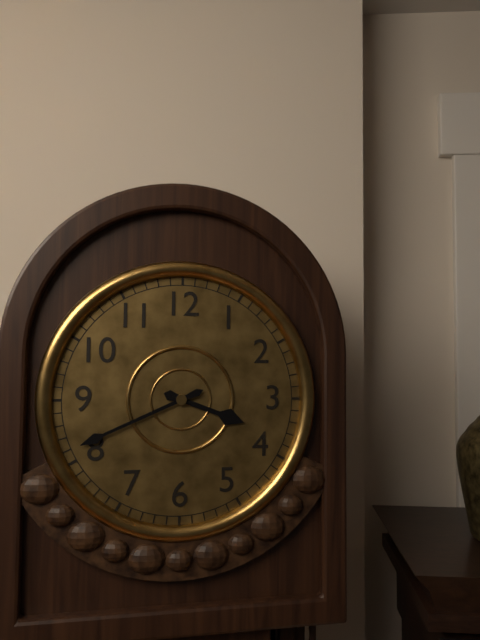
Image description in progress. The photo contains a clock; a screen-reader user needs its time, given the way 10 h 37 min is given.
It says 3 h 41 min
